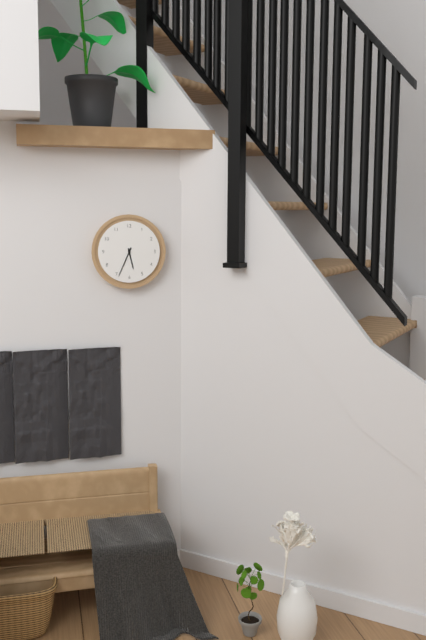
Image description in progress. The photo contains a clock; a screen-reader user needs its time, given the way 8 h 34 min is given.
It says 5 h 34 min
